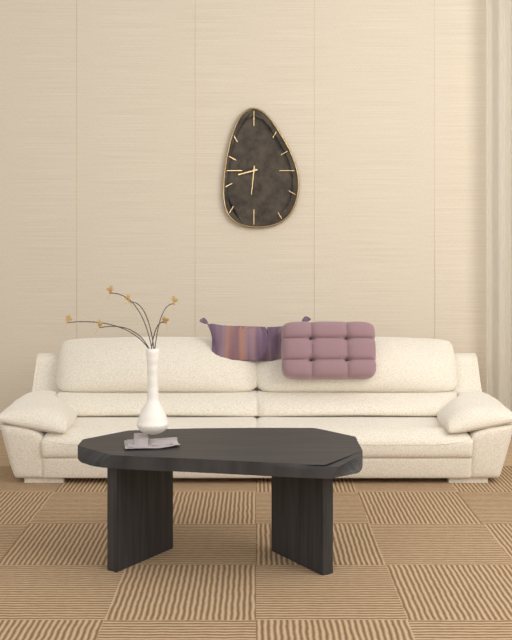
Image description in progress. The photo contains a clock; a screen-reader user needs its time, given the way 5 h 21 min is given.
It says 8 h 31 min
